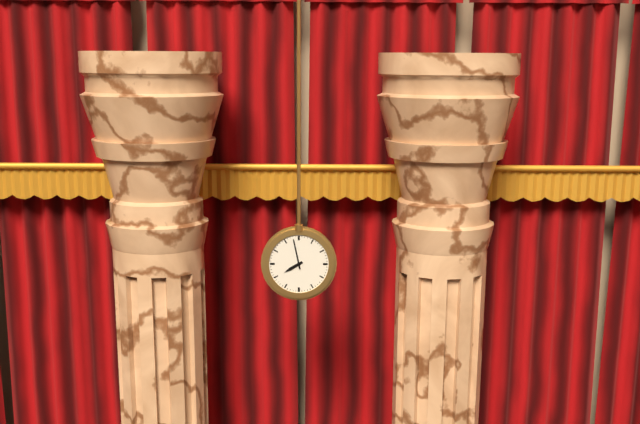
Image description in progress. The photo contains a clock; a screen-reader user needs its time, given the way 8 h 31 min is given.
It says 7 h 58 min
